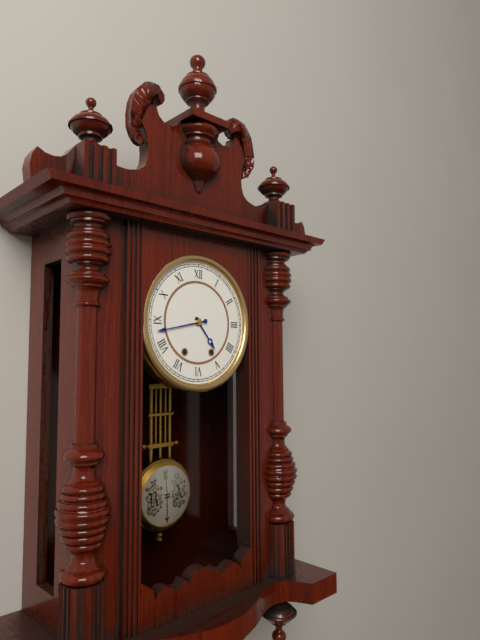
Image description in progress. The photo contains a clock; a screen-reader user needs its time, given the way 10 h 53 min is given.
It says 4 h 43 min
